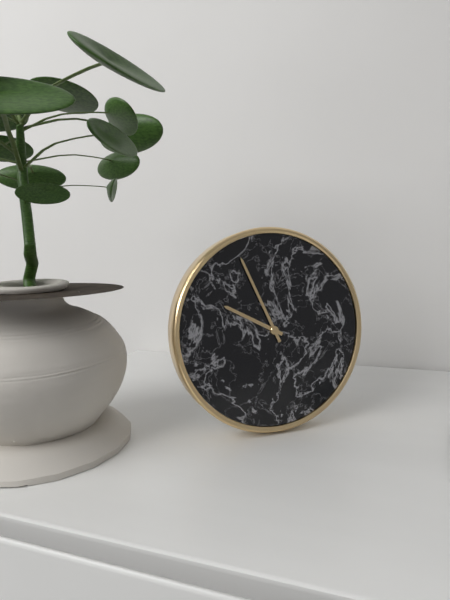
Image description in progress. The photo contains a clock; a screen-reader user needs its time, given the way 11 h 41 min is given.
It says 9 h 56 min
